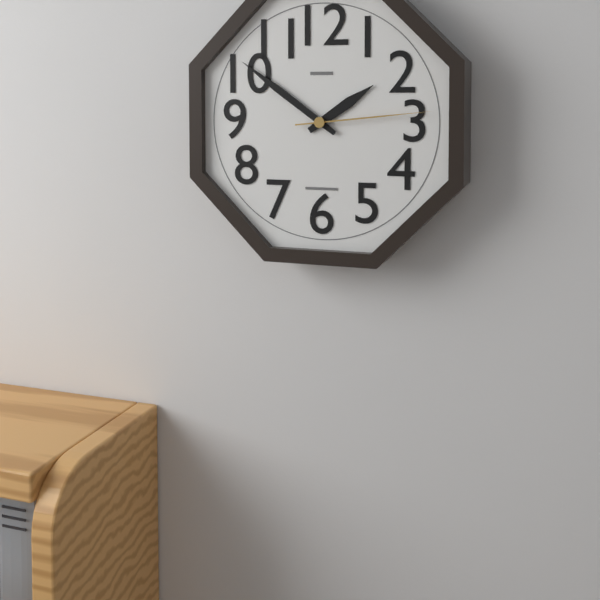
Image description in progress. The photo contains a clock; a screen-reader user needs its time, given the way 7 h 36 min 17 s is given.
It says 1 h 51 min 14 s
